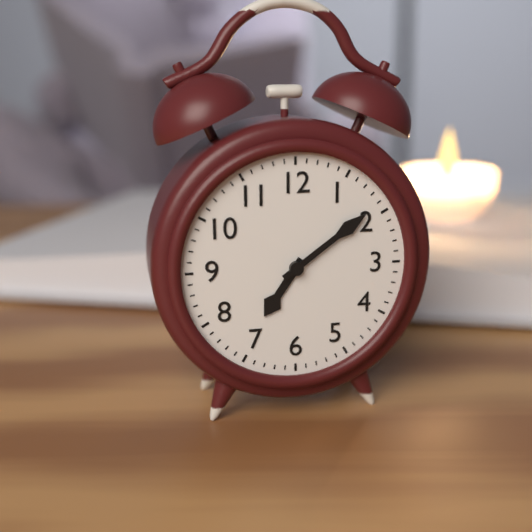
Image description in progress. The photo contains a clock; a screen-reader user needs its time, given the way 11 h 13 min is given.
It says 7 h 09 min
